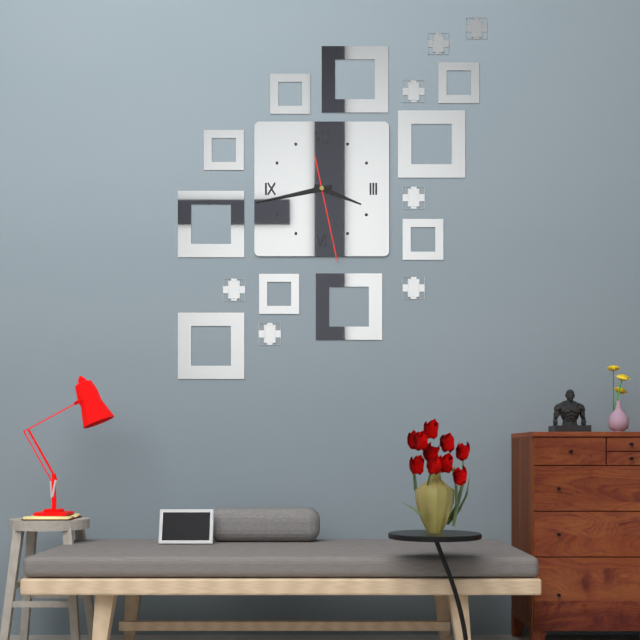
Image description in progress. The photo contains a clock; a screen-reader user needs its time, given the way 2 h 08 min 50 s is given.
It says 3 h 43 min 28 s
